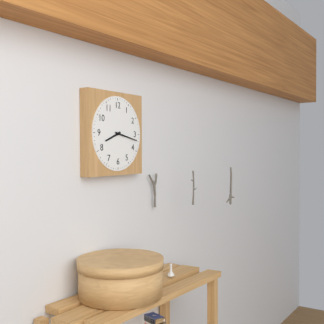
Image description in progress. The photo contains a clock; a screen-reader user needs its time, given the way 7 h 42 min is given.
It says 8 h 17 min
